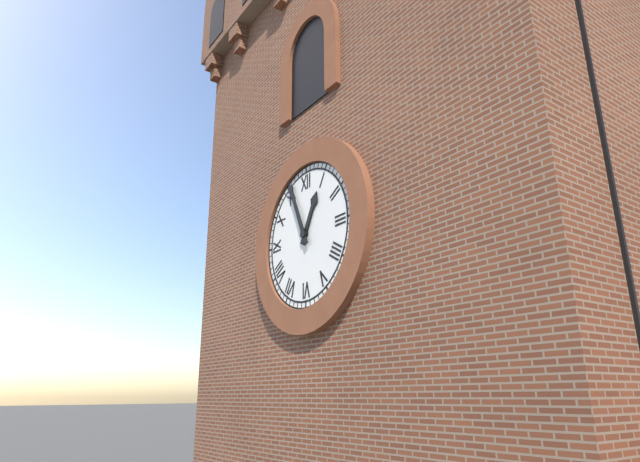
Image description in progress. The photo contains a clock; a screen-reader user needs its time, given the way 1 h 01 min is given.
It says 12 h 56 min
